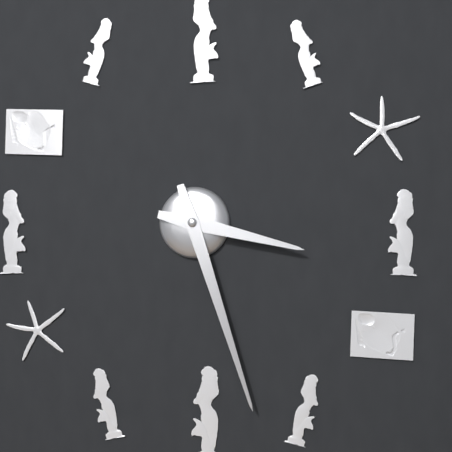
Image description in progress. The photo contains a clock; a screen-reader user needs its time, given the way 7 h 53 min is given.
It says 3 h 27 min
